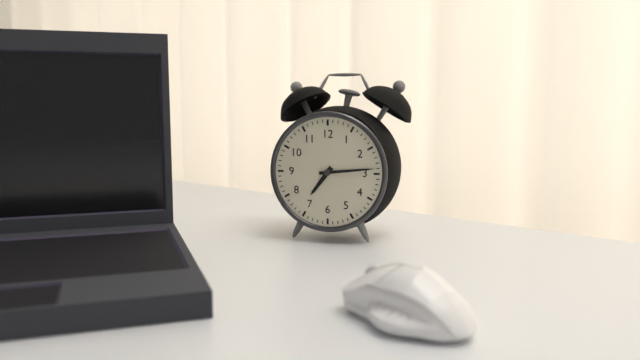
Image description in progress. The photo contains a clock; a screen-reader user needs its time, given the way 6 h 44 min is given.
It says 7 h 14 min
